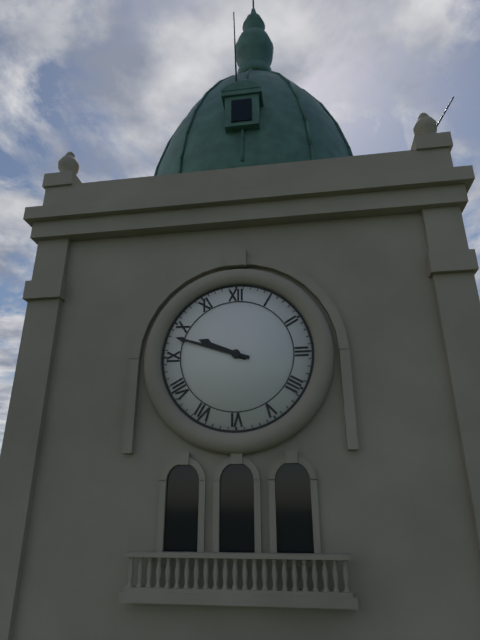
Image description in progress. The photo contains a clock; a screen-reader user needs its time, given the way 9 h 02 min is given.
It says 9 h 48 min
